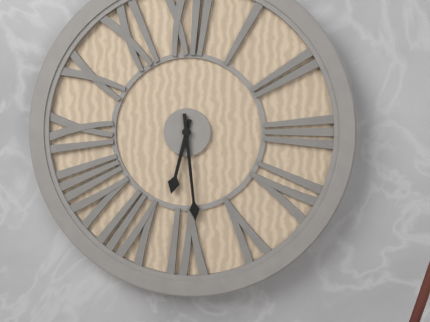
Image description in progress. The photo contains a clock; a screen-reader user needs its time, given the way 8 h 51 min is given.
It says 6 h 29 min
